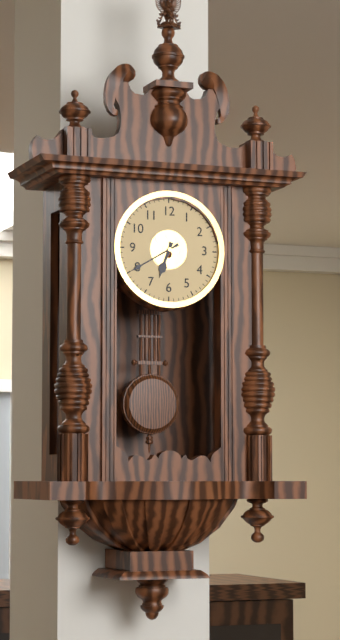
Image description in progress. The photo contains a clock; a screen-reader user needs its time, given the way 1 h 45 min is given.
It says 6 h 40 min
